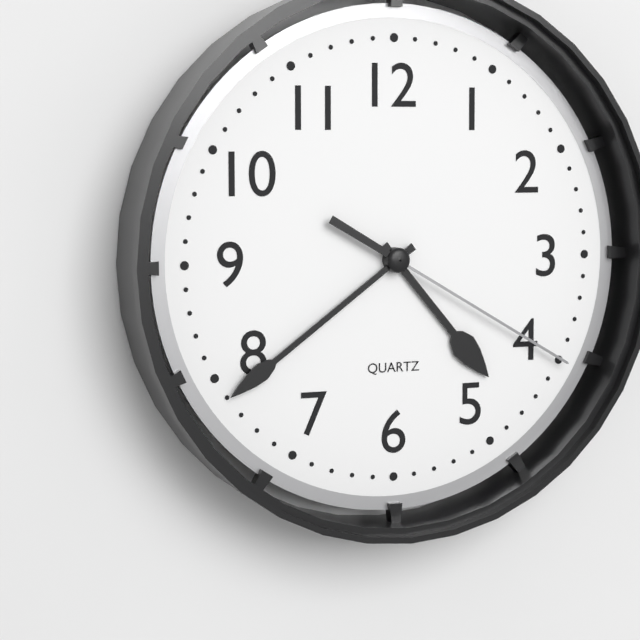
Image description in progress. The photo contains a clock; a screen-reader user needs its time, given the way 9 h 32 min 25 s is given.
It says 4 h 39 min 20 s
